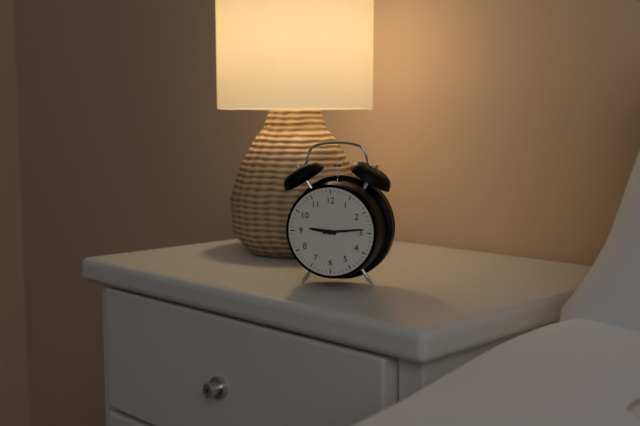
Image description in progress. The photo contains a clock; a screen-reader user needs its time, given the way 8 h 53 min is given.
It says 9 h 14 min
